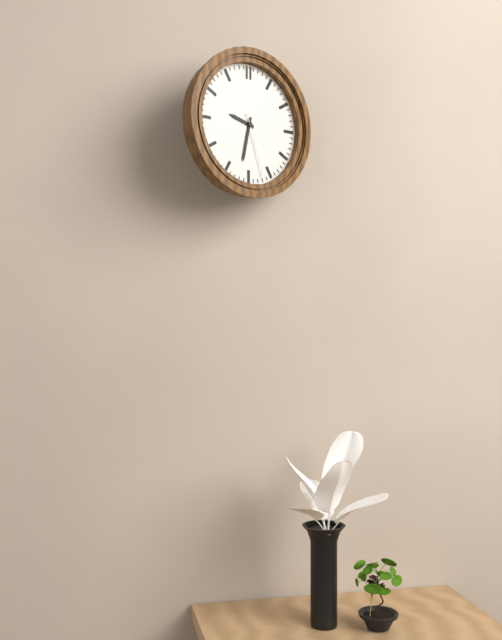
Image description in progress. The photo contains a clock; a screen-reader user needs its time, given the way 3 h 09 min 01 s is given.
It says 9 h 32 min 27 s
